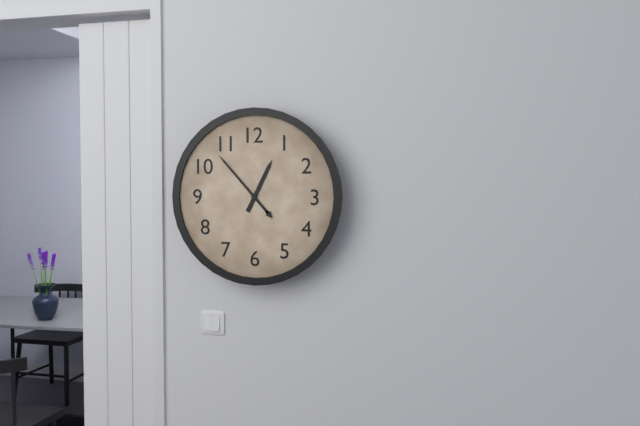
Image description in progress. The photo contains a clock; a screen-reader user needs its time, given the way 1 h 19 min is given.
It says 12 h 53 min
